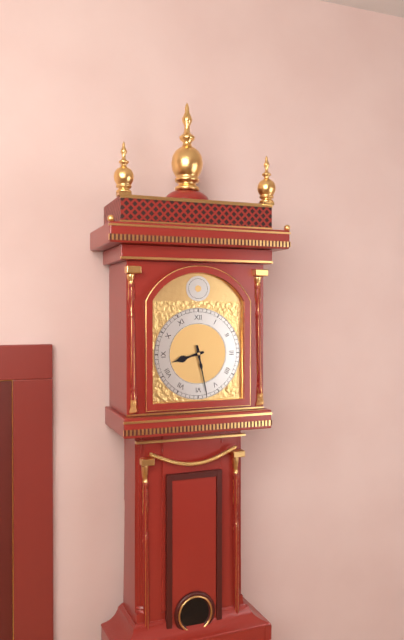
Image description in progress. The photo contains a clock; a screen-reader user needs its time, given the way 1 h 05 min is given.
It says 8 h 28 min
